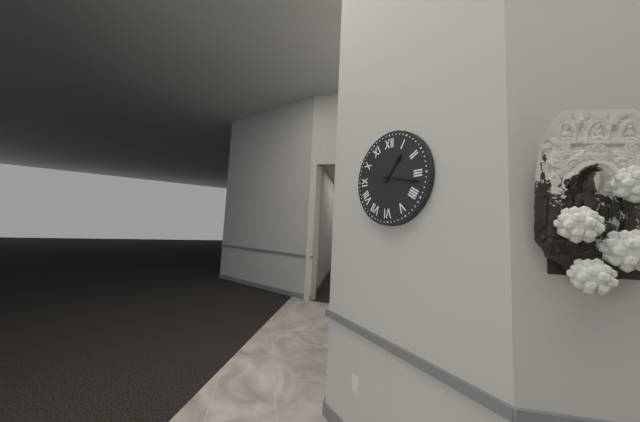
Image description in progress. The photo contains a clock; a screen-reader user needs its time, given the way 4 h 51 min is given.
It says 1 h 17 min
